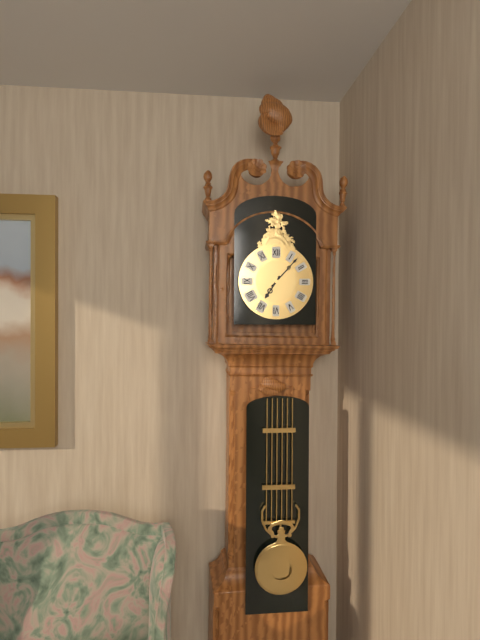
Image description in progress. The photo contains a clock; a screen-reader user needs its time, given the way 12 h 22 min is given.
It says 7 h 07 min
